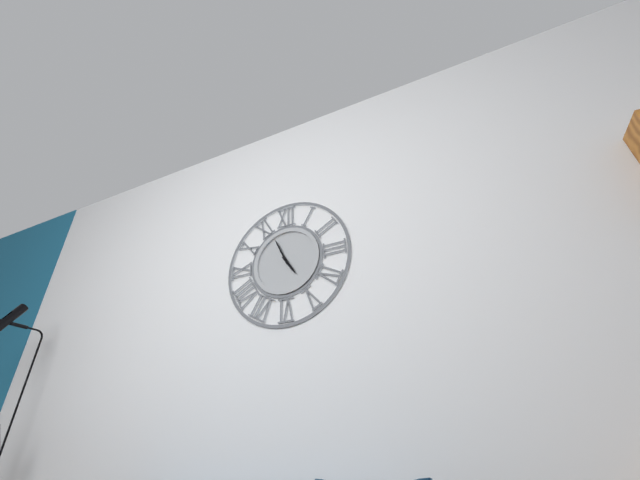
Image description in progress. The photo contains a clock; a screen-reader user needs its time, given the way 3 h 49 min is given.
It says 4 h 56 min
